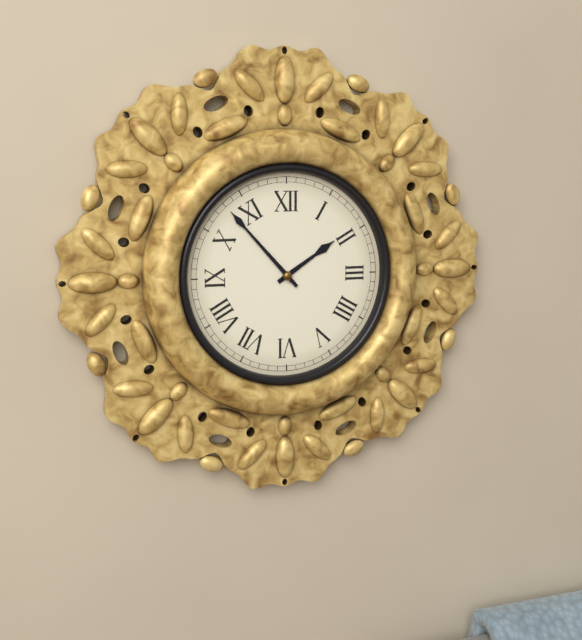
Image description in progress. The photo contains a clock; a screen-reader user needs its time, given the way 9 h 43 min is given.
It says 1 h 53 min
